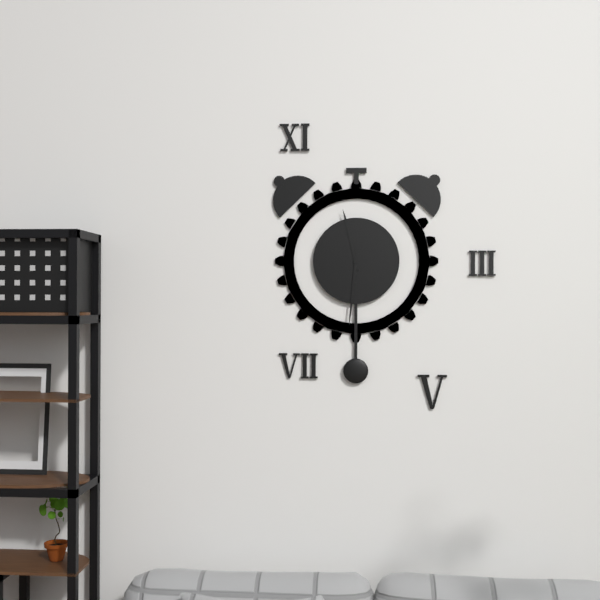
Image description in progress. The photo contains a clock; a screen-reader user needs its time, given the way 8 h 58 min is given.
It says 11 h 31 min
